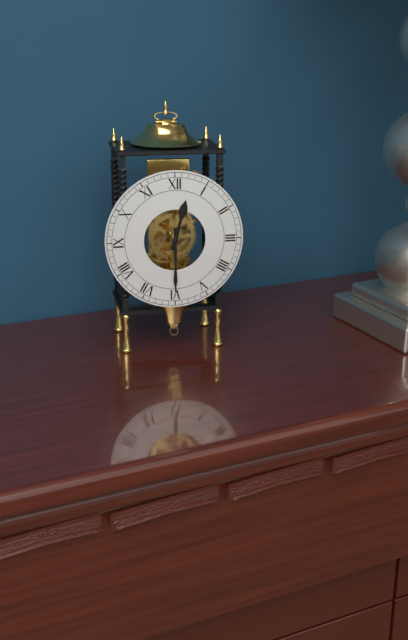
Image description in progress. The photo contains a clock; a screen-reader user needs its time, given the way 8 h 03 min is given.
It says 12 h 30 min
